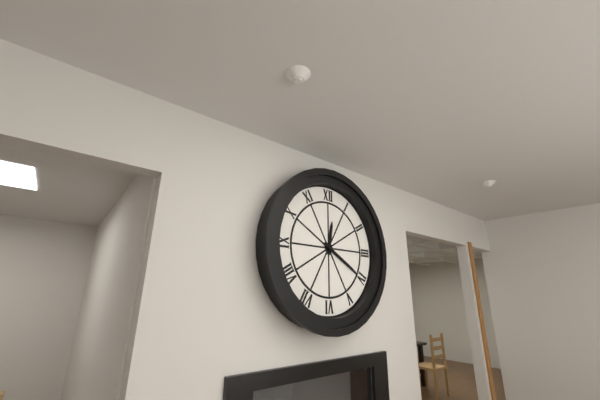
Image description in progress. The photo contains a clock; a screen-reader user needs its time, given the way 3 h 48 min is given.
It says 12 h 20 min
